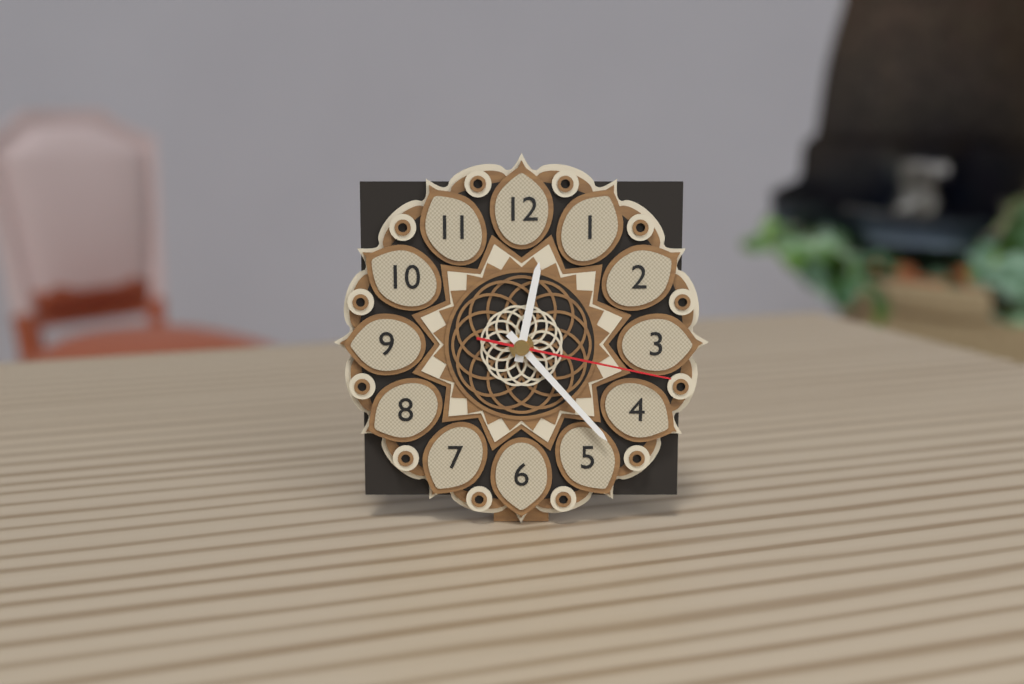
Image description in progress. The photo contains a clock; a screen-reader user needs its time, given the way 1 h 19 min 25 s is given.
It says 12 h 23 min 17 s
